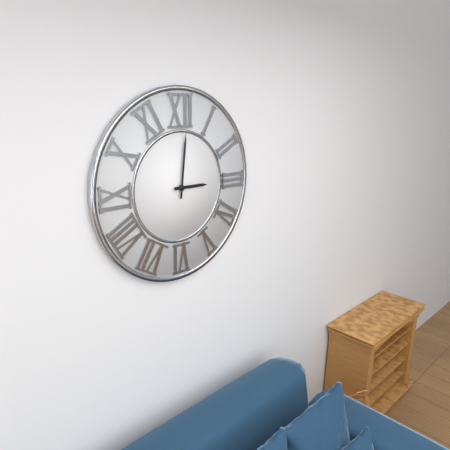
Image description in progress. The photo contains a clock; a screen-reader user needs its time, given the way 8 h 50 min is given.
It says 3 h 01 min
